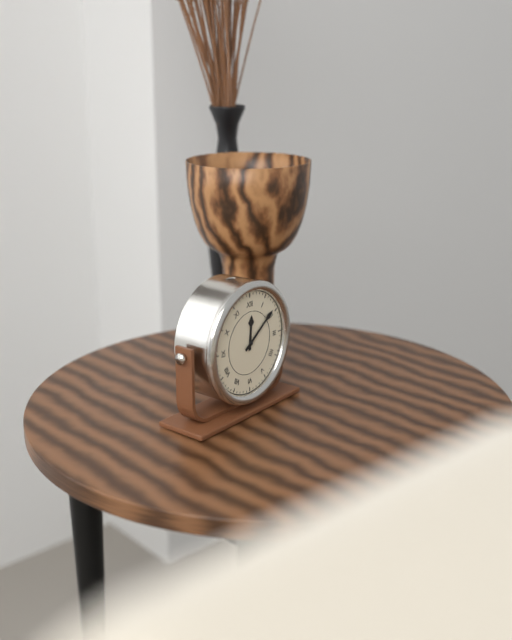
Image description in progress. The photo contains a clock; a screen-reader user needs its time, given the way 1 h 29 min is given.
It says 12 h 09 min
